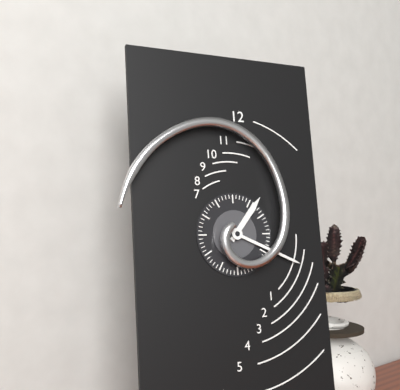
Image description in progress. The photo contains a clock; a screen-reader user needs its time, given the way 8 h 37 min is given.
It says 1 h 19 min
